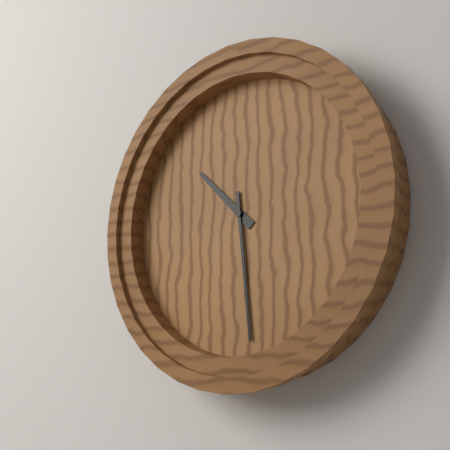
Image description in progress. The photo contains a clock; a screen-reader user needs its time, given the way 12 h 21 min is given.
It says 10 h 29 min
